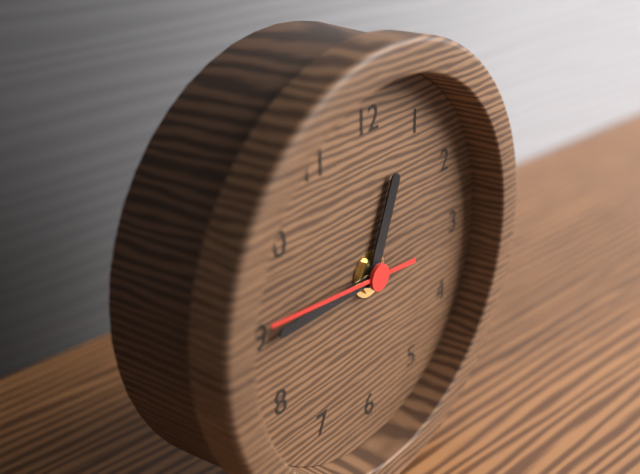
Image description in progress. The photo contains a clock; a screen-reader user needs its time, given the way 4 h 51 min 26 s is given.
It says 12 h 45 min 46 s
